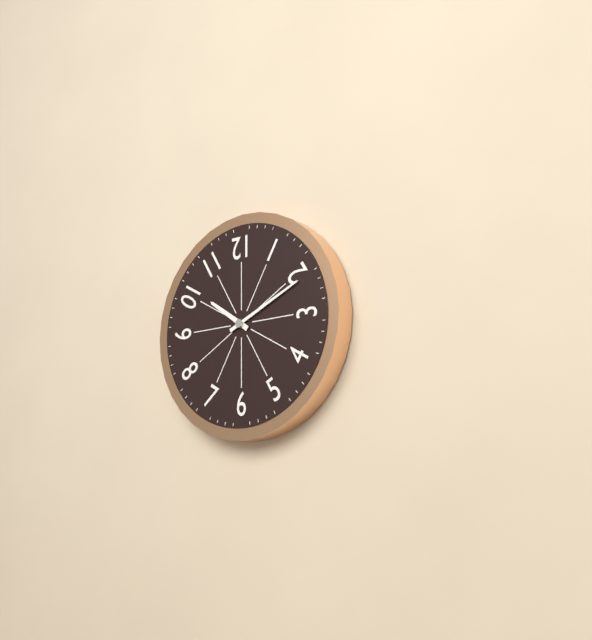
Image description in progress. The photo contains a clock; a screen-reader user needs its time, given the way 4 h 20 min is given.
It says 10 h 11 min
